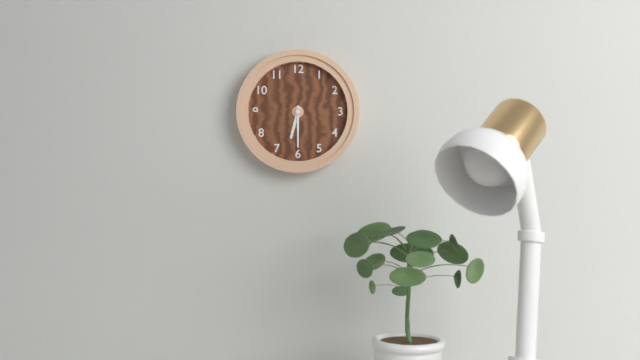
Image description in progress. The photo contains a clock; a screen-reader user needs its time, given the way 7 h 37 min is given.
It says 6 h 30 min
